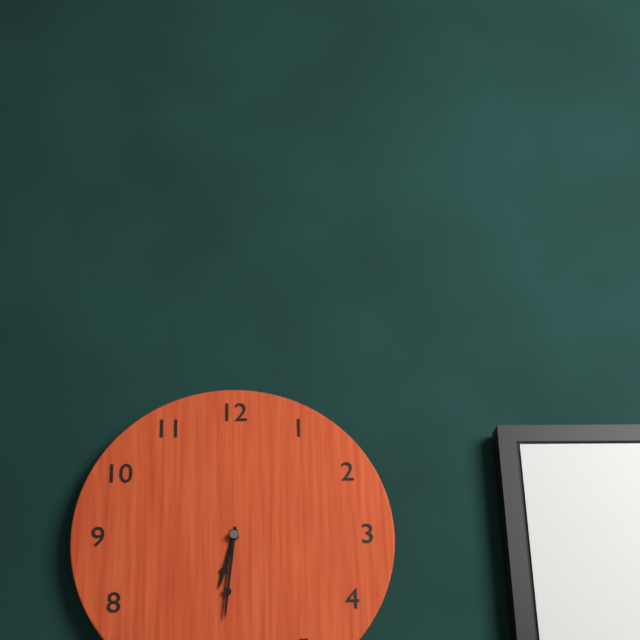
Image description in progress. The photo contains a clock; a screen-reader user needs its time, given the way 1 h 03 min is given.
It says 6 h 31 min
